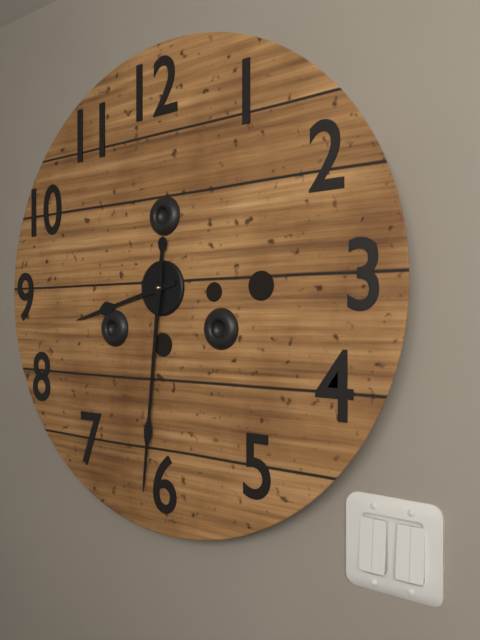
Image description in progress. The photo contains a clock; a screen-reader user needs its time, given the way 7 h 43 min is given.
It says 8 h 31 min
